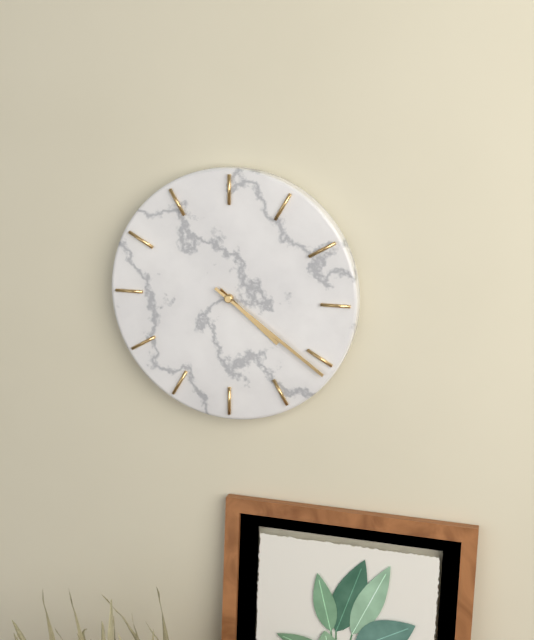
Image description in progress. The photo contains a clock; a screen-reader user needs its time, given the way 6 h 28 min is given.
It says 4 h 21 min
